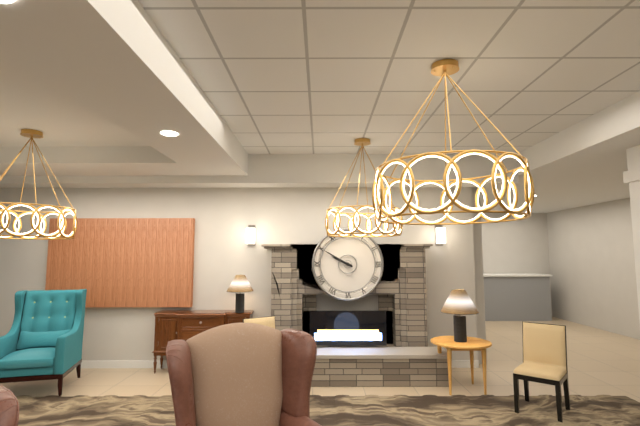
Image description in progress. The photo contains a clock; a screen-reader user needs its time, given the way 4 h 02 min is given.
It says 9 h 50 min
